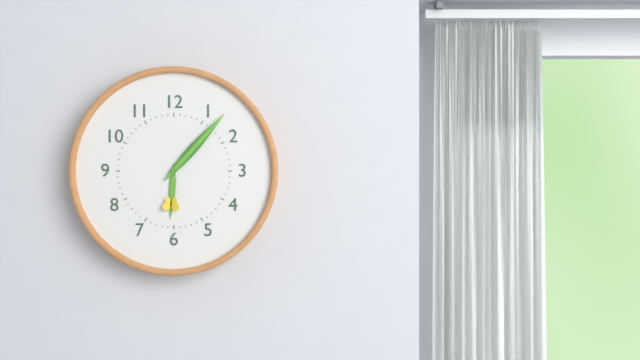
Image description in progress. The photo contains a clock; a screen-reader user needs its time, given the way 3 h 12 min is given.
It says 6 h 07 min
